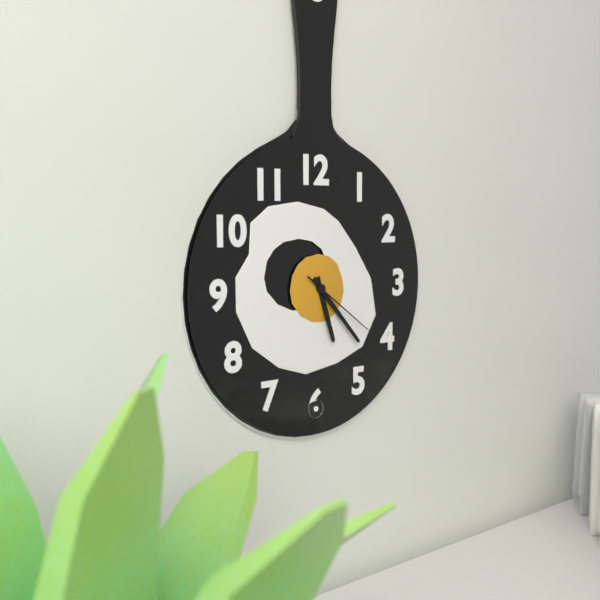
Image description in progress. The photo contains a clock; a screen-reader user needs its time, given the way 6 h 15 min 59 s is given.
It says 5 h 23 min 21 s
